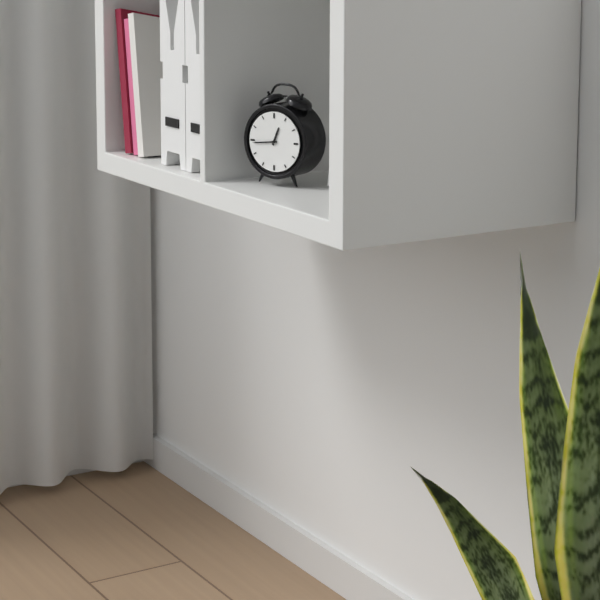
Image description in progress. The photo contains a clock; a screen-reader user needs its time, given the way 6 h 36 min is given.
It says 12 h 44 min
